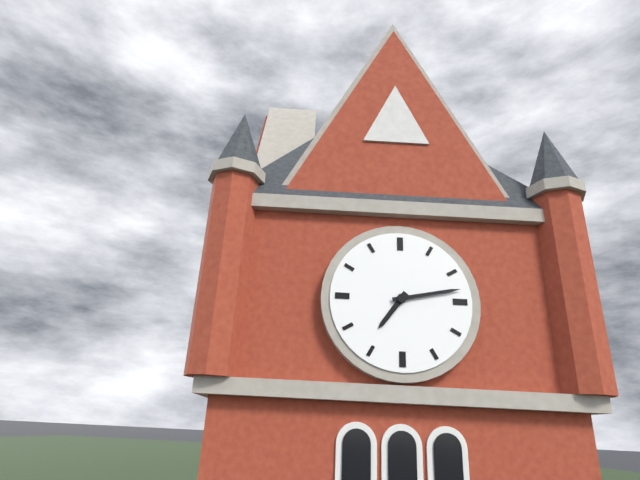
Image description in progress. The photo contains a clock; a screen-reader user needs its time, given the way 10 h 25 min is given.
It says 7 h 13 min
